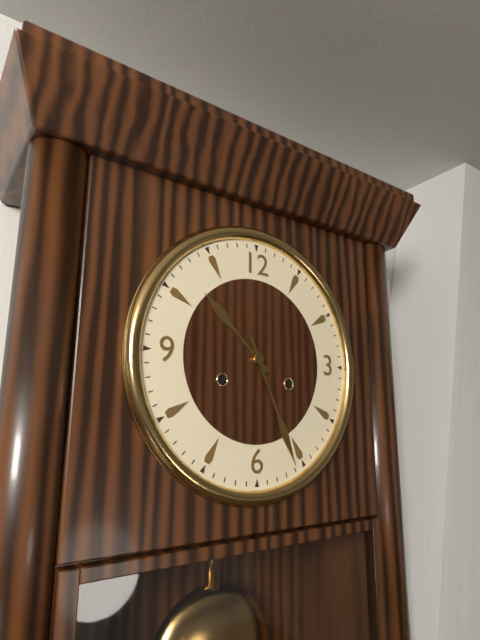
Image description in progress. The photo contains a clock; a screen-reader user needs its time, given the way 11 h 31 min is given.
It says 10 h 26 min
